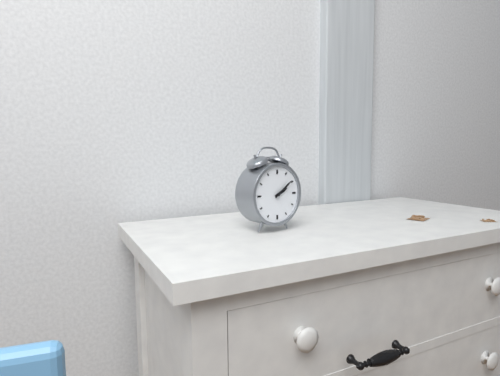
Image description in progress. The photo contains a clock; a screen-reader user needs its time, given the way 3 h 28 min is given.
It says 2 h 09 min
